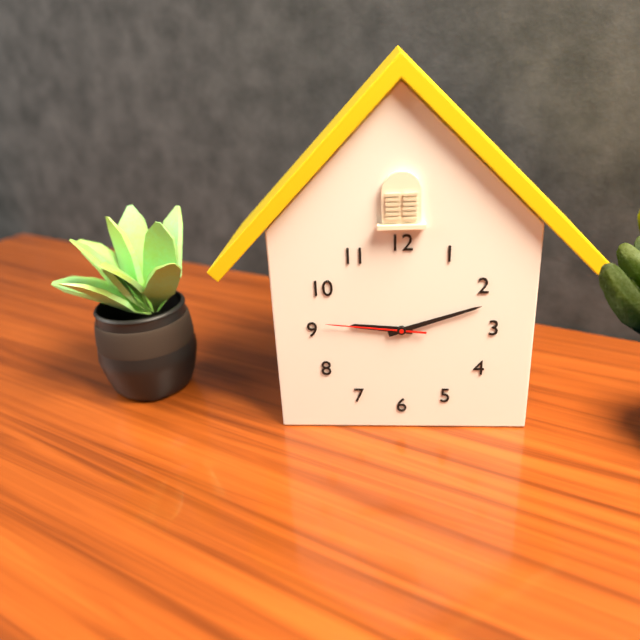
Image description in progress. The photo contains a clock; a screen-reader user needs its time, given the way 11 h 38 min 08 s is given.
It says 9 h 12 min 46 s
